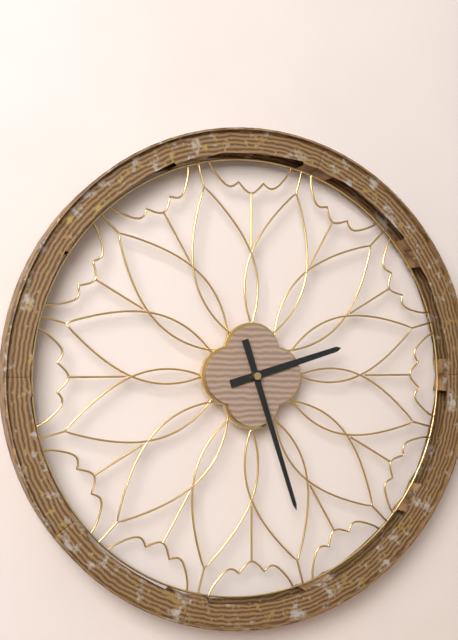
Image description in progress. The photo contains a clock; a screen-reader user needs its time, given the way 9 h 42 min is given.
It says 2 h 27 min
